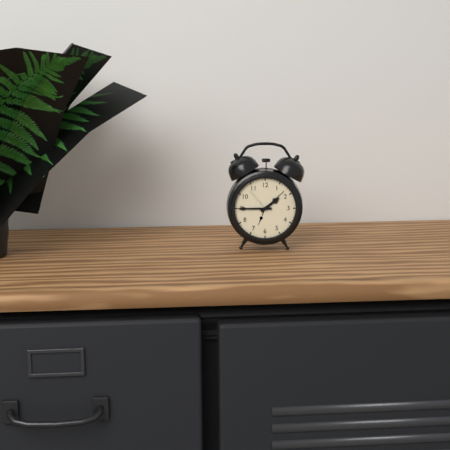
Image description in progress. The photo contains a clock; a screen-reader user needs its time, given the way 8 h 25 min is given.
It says 1 h 45 min
